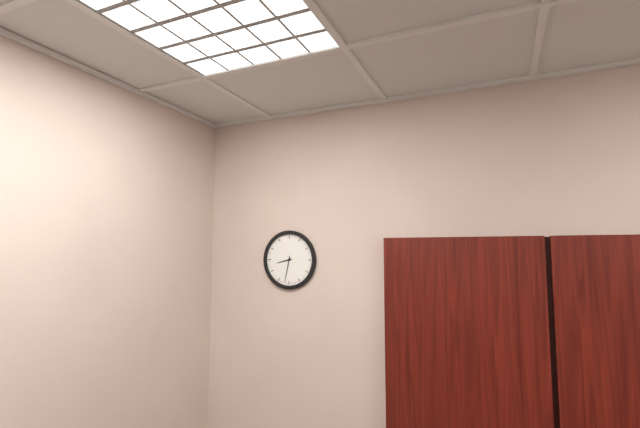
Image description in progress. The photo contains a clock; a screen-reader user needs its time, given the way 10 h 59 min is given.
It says 8 h 32 min
